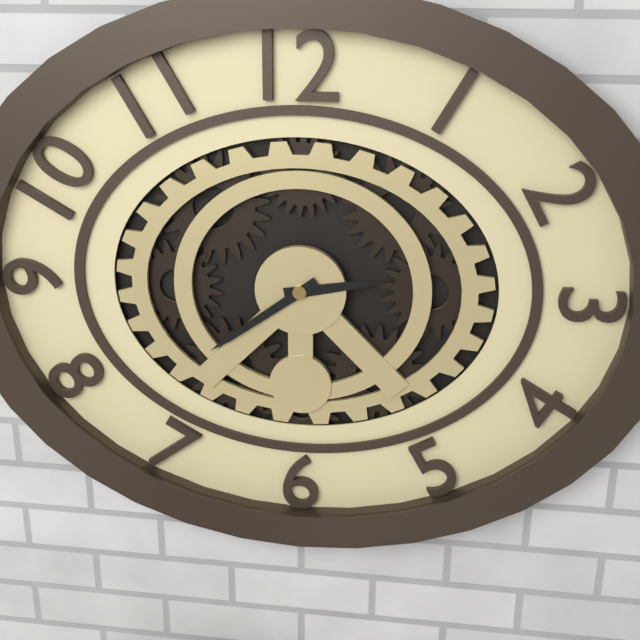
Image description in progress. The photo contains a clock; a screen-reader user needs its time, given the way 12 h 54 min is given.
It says 2 h 39 min
